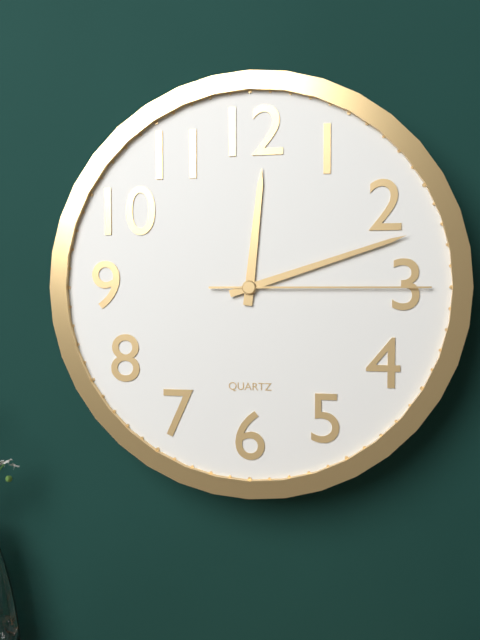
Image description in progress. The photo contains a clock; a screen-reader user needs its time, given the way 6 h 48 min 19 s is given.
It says 12 h 12 min 15 s
